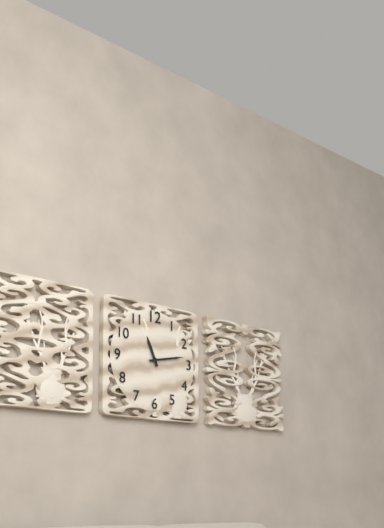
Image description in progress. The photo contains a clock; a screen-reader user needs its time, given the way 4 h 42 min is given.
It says 11 h 13 min
